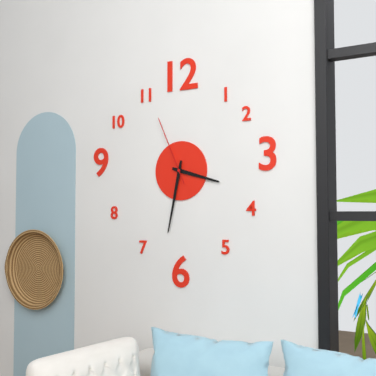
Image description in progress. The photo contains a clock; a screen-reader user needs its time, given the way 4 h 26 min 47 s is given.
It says 3 h 32 min 56 s
